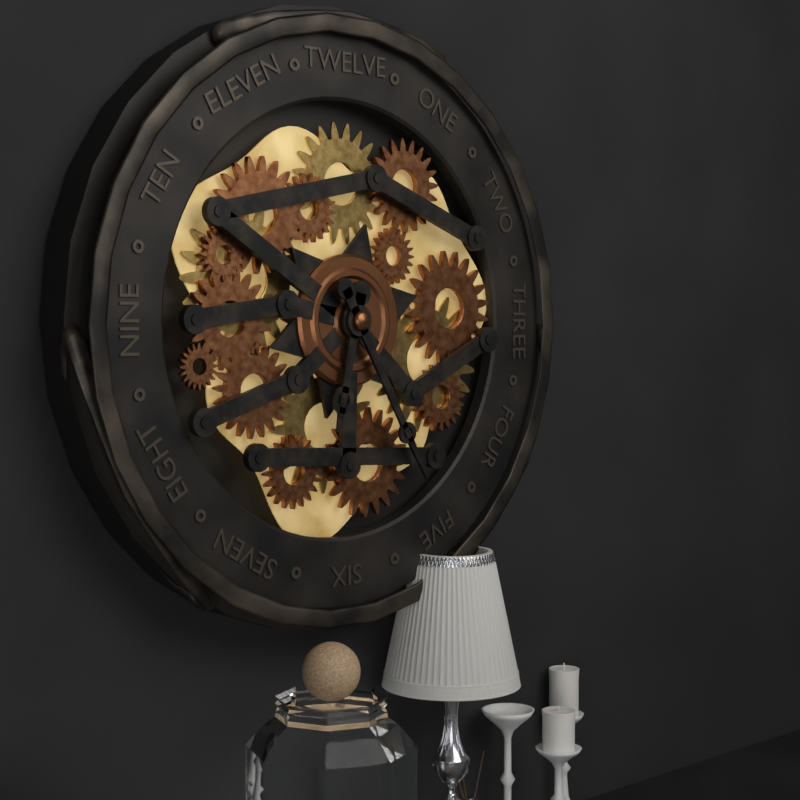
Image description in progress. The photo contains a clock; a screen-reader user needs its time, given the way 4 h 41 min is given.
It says 6 h 25 min
